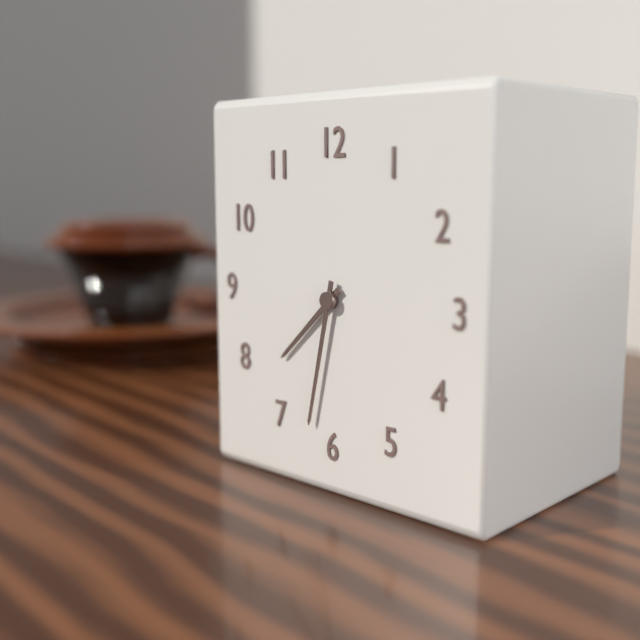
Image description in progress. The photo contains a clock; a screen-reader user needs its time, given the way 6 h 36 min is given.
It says 7 h 32 min
